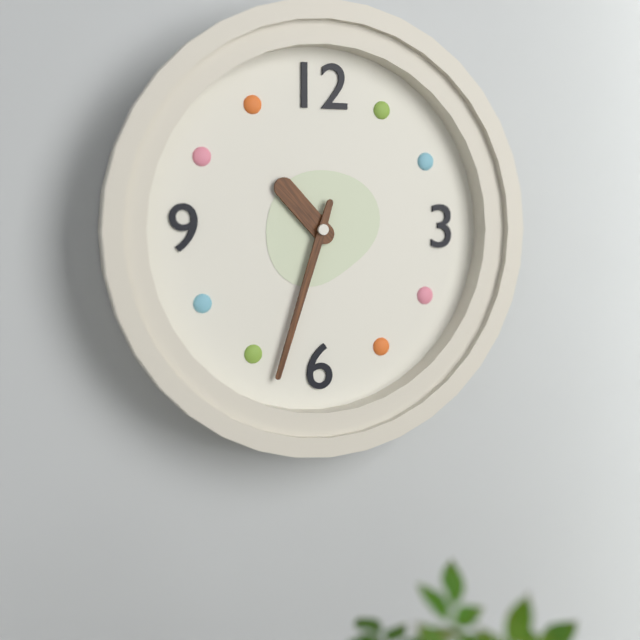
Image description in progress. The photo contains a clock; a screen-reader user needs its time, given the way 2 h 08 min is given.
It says 10 h 33 min
